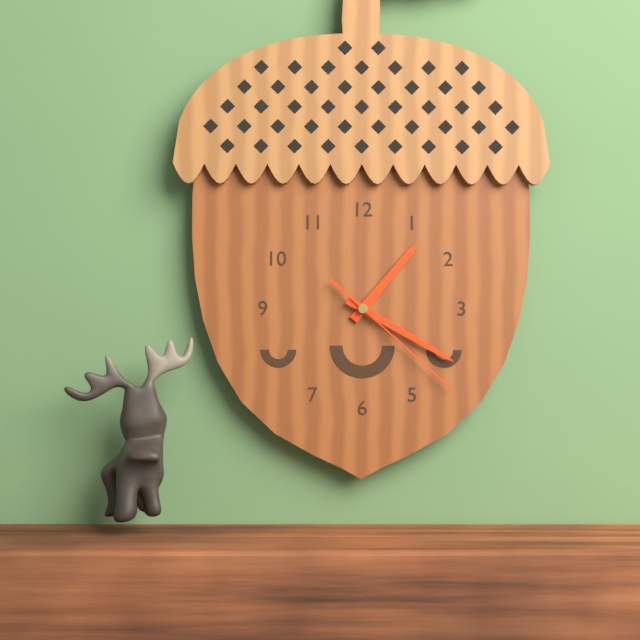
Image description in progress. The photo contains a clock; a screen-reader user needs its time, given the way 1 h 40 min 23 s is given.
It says 1 h 20 min 22 s
